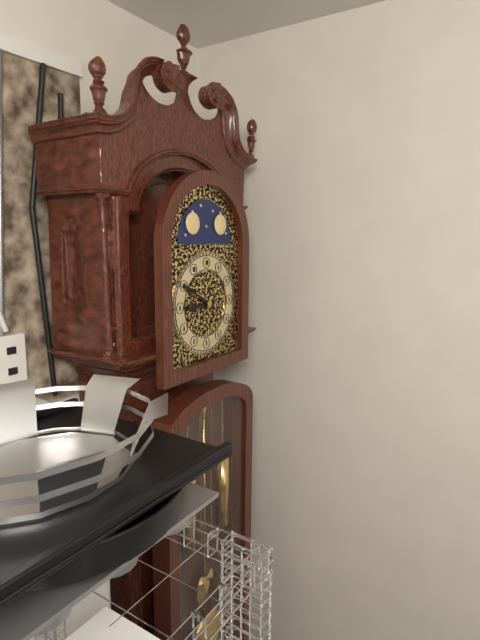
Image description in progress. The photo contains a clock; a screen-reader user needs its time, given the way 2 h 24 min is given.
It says 8 h 50 min
